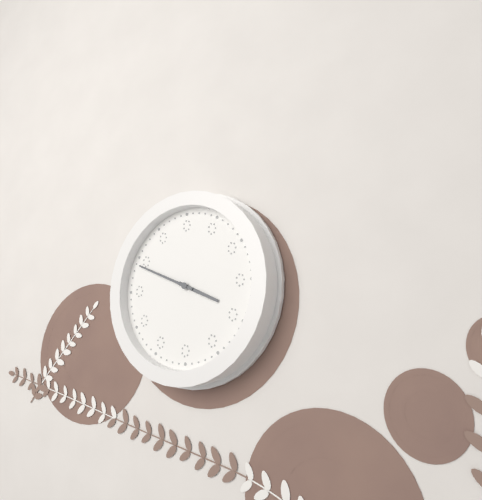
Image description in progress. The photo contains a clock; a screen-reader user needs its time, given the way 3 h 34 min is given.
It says 3 h 49 min
